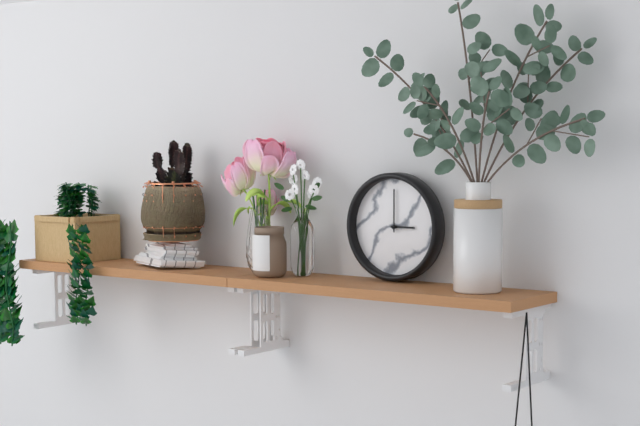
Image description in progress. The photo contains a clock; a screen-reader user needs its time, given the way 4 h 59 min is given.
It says 3 h 00 min
